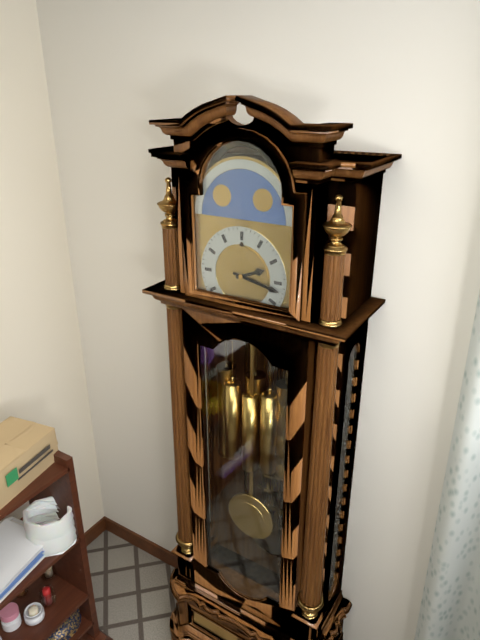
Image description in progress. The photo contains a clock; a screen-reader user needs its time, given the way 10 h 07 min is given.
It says 2 h 17 min
